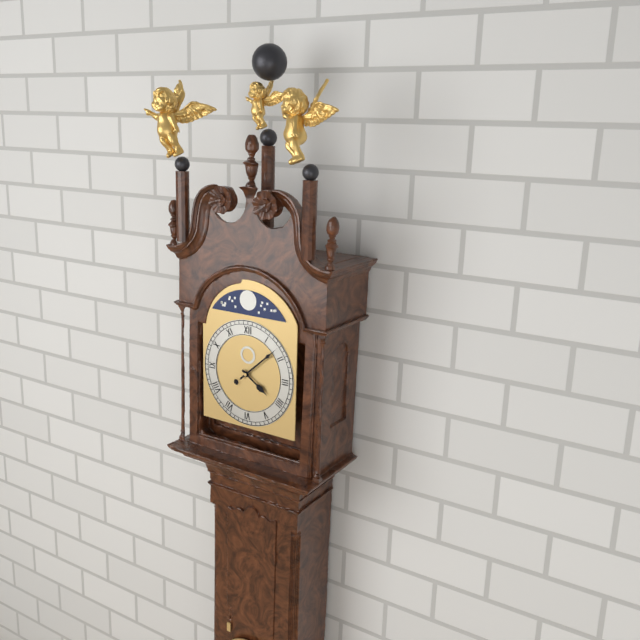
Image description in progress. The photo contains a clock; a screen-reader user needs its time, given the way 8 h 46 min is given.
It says 4 h 08 min
